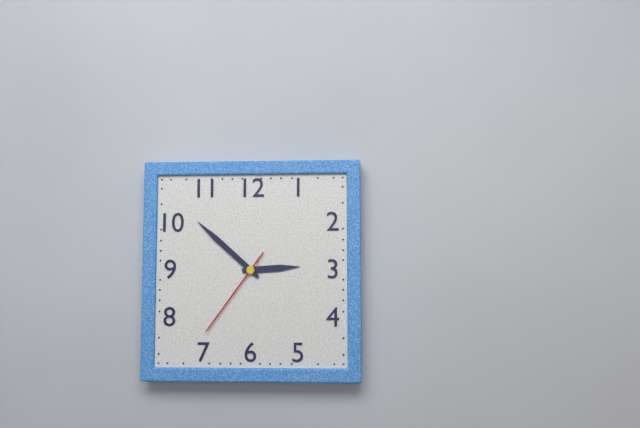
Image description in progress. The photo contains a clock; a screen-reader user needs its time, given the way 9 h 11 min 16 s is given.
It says 2 h 52 min 36 s
